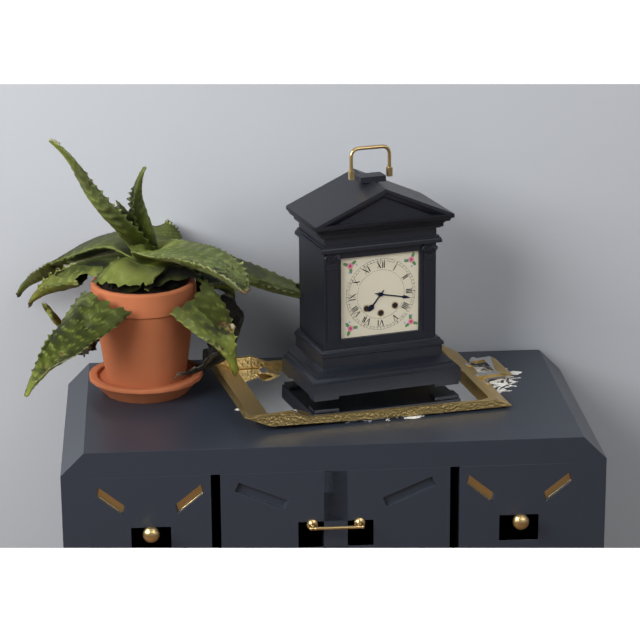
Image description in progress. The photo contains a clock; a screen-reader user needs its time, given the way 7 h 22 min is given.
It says 7 h 17 min
